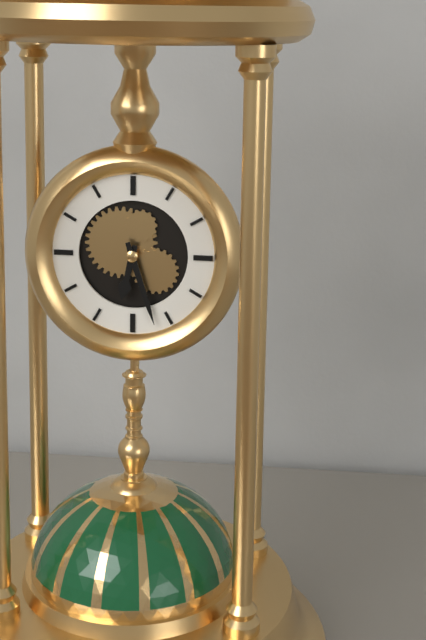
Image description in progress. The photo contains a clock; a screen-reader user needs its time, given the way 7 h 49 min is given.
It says 6 h 27 min
